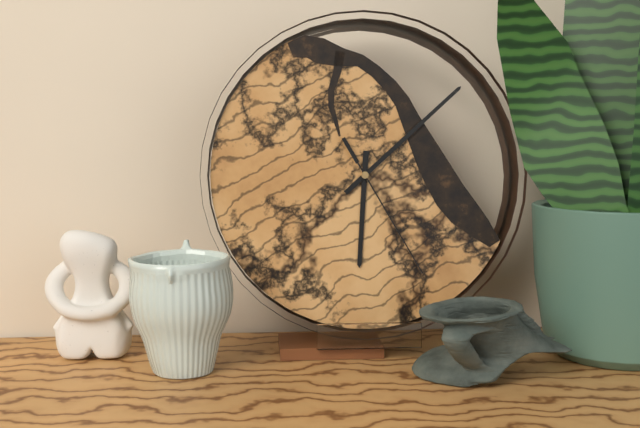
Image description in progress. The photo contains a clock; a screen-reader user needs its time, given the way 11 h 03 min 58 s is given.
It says 6 h 08 min 25 s
